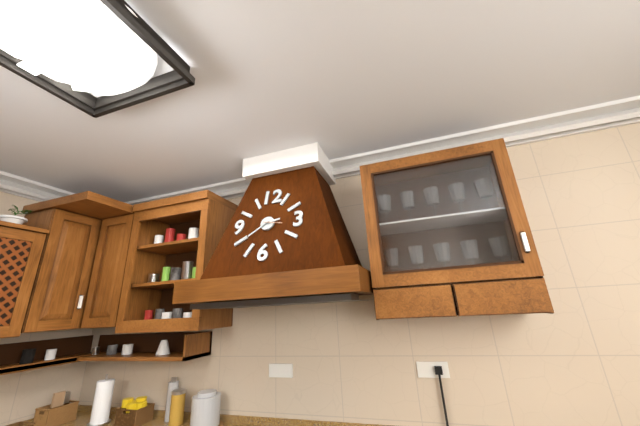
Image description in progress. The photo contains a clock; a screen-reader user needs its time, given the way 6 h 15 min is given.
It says 2 h 39 min
